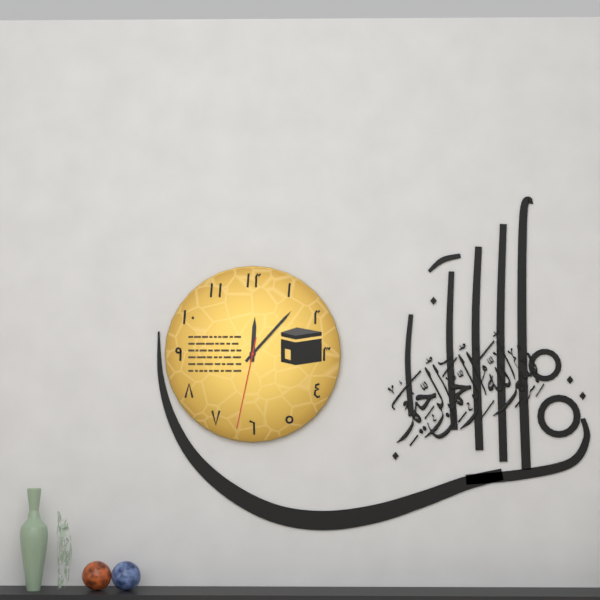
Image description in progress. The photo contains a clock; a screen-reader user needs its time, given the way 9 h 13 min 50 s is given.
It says 12 h 07 min 32 s
